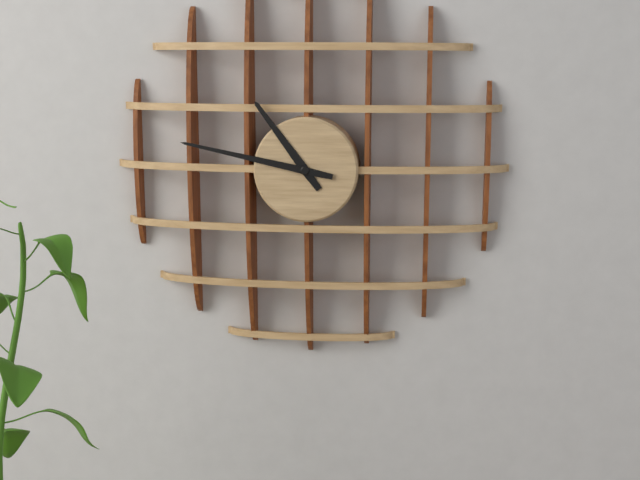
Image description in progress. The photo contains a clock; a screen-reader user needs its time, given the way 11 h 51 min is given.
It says 10 h 47 min
